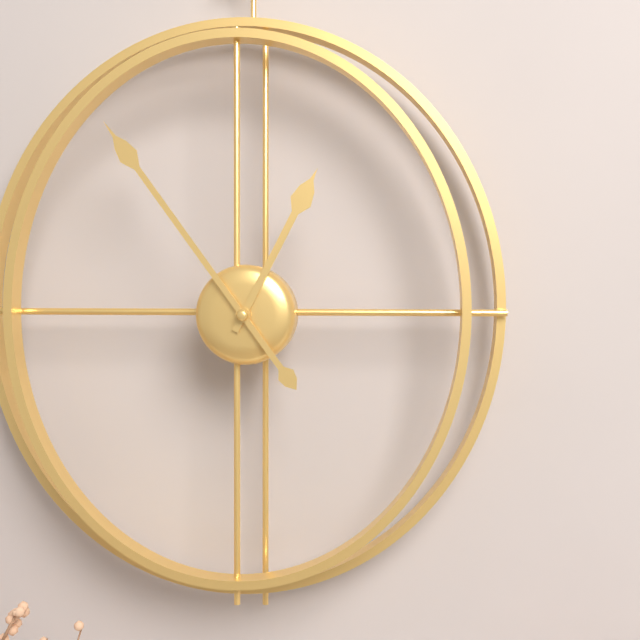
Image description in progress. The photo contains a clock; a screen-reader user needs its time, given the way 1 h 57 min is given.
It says 12 h 54 min
